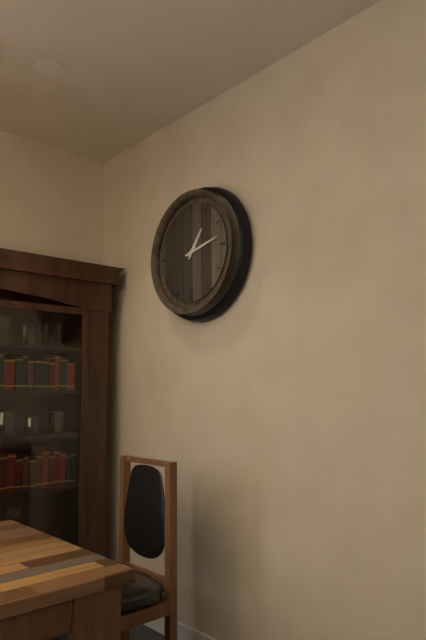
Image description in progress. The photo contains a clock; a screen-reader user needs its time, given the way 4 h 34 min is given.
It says 1 h 13 min
